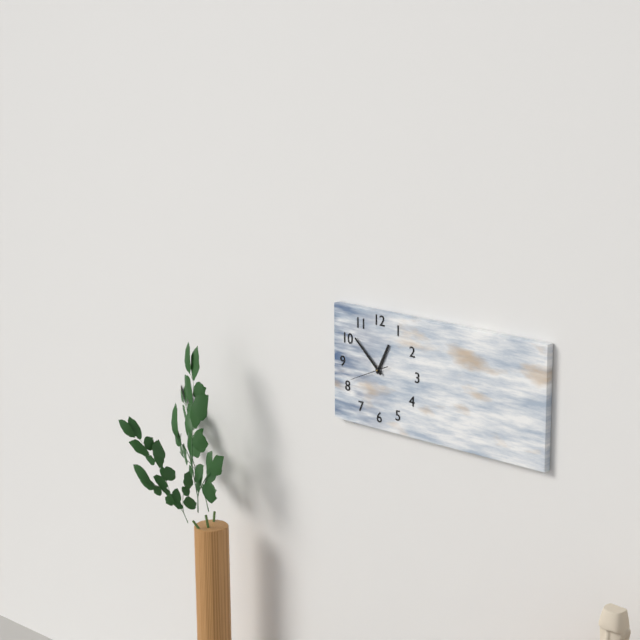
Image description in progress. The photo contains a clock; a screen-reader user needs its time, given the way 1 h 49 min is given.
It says 12 h 52 min
